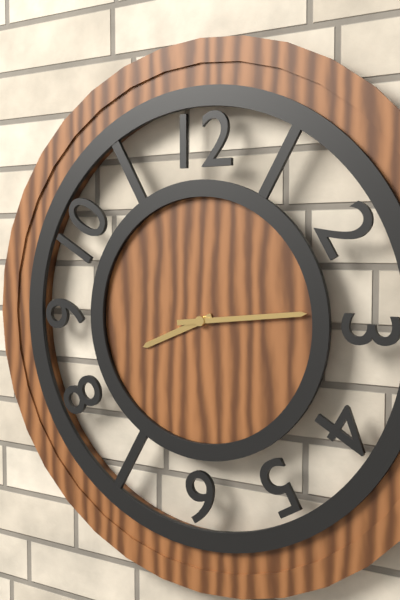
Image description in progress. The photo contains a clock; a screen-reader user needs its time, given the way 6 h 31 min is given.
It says 8 h 14 min
